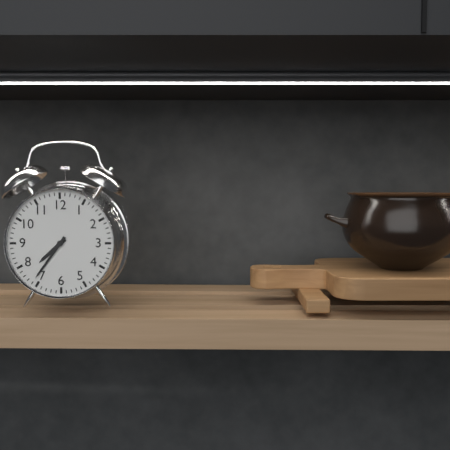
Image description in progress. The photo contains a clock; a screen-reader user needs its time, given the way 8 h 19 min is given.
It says 7 h 36 min
